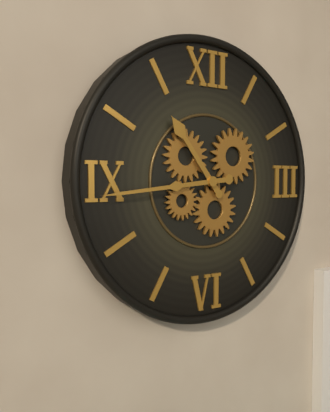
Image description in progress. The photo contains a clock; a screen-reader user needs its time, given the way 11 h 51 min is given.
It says 10 h 44 min
